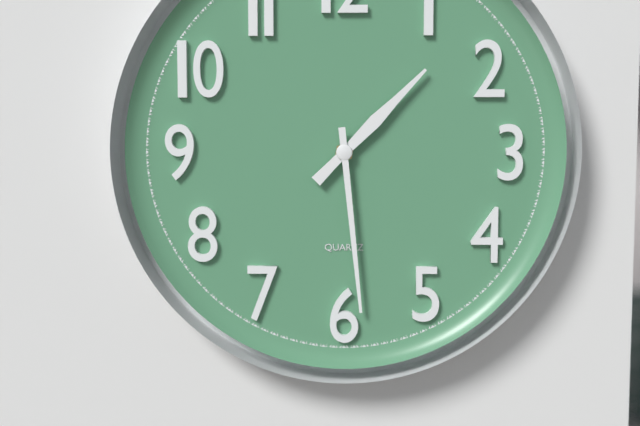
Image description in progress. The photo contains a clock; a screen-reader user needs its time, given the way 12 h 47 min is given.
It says 1 h 29 min
